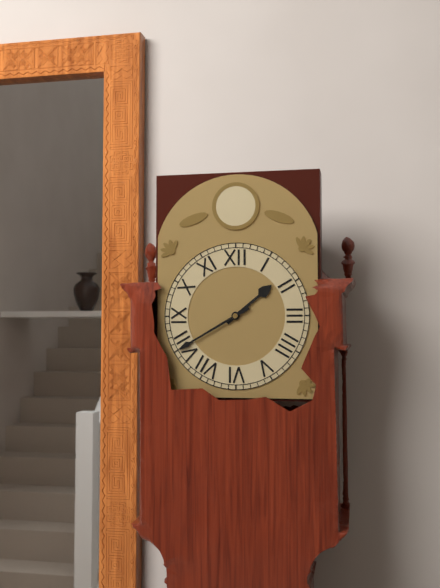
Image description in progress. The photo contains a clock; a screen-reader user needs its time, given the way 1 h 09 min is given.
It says 1 h 40 min
